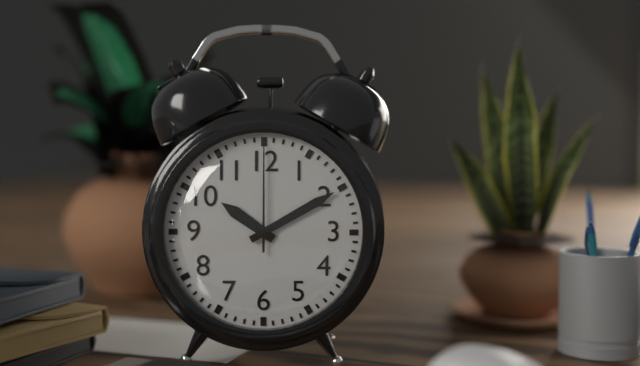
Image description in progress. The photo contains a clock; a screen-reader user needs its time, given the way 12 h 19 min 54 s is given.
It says 10 h 10 min 00 s
